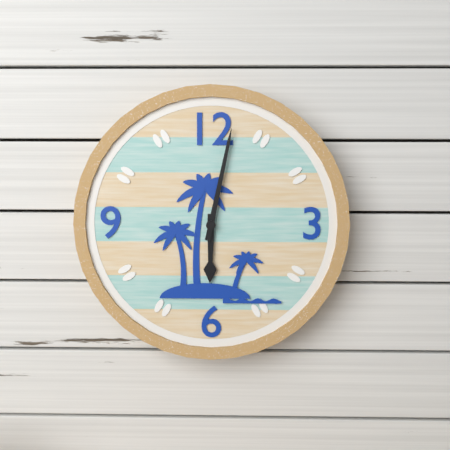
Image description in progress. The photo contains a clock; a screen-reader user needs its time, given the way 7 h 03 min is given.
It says 6 h 02 min
